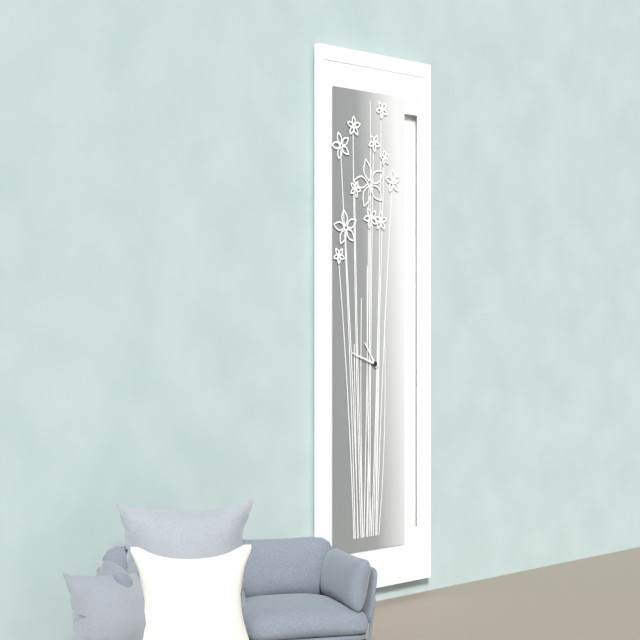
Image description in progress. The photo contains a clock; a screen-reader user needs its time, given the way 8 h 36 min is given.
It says 10 h 48 min
